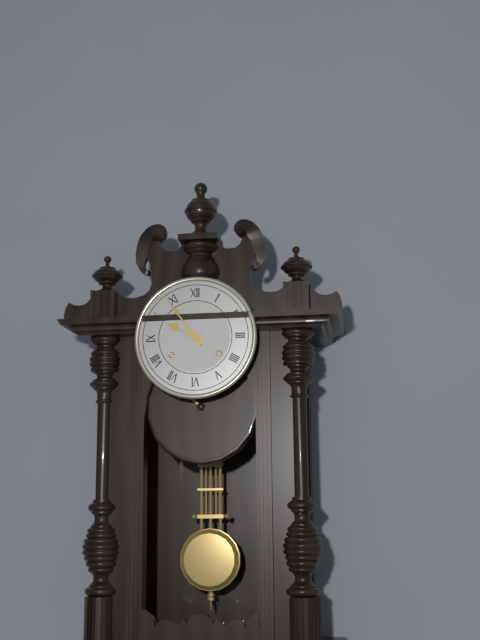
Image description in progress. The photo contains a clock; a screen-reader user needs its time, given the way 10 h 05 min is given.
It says 9 h 54 min
